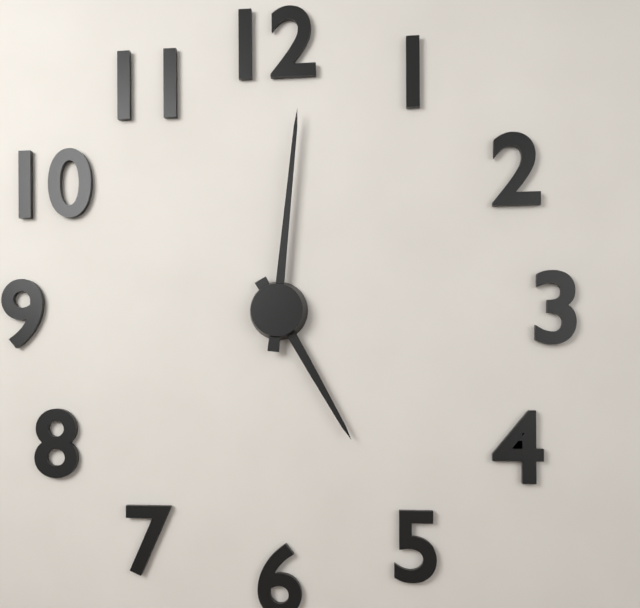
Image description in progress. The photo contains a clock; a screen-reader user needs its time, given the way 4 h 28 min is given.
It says 5 h 01 min
